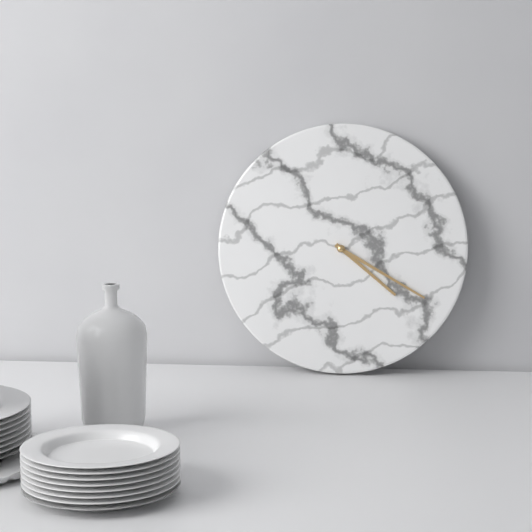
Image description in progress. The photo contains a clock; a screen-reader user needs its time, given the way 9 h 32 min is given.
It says 4 h 20 min
